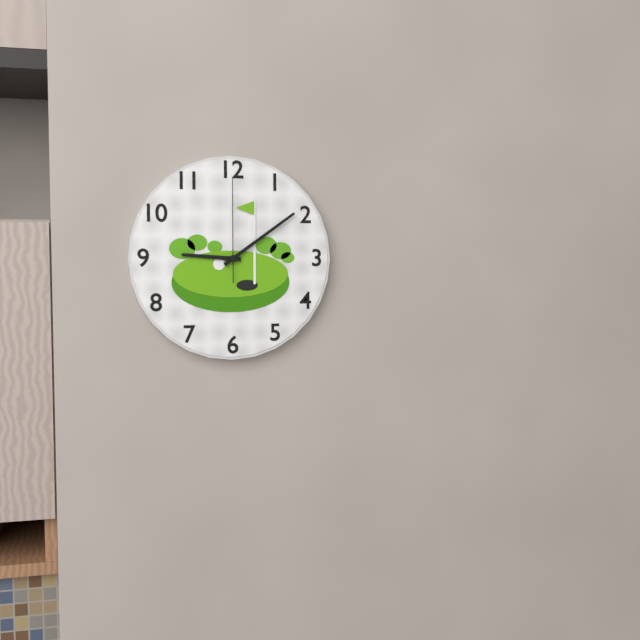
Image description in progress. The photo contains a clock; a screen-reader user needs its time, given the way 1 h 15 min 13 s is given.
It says 9 h 09 min 00 s
